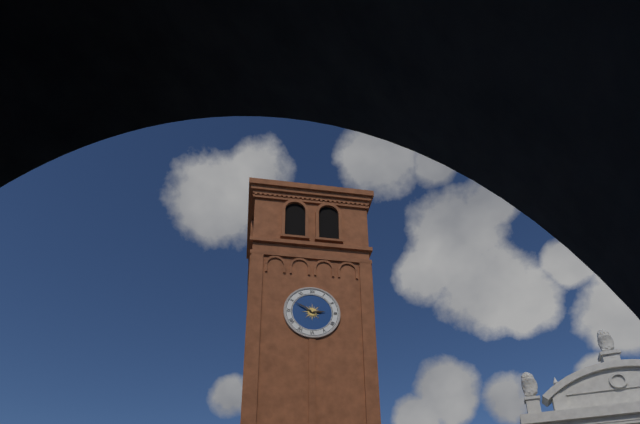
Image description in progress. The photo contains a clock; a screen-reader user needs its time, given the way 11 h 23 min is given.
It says 2 h 50 min
